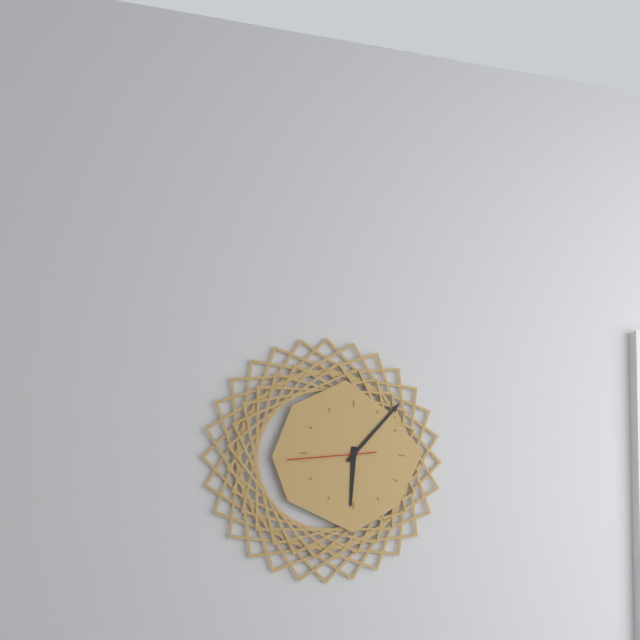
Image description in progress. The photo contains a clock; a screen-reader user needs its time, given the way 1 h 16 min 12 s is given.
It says 6 h 07 min 44 s
